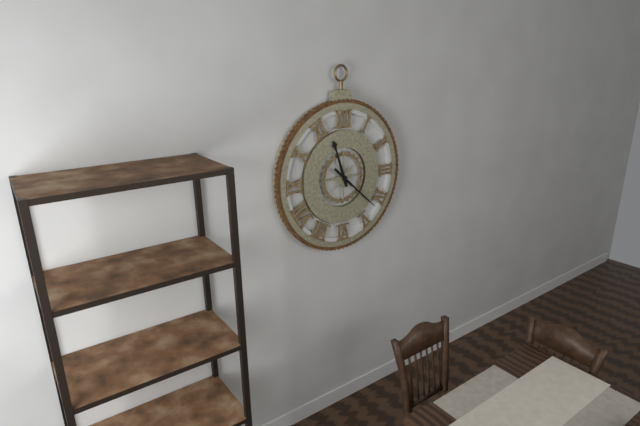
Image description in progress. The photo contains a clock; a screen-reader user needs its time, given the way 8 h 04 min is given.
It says 11 h 22 min
